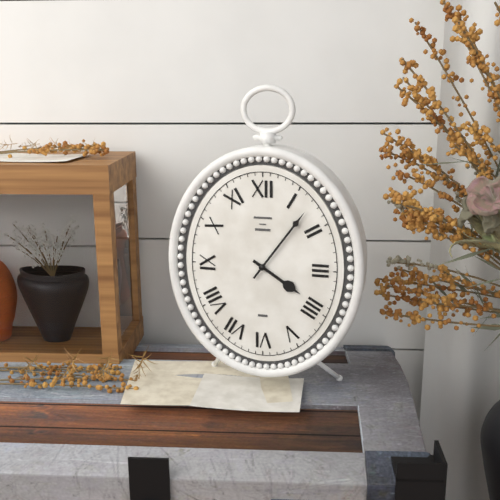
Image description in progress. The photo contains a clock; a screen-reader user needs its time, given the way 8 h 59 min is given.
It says 4 h 06 min
